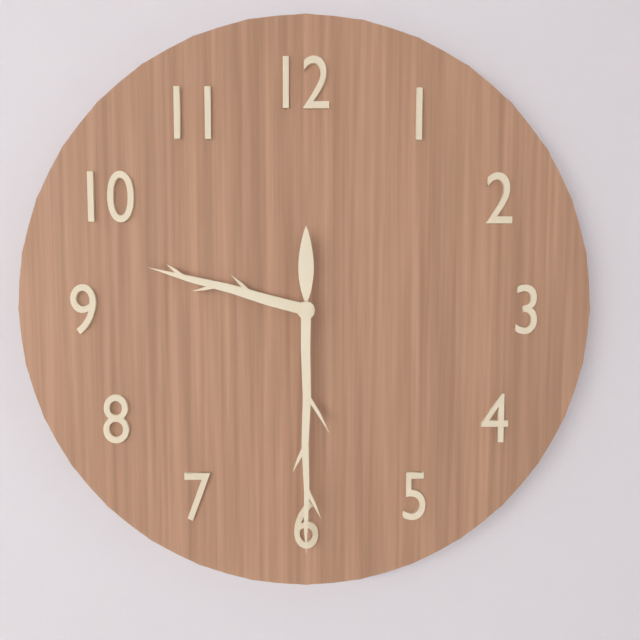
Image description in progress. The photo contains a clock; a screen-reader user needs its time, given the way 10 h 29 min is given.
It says 9 h 30 min
